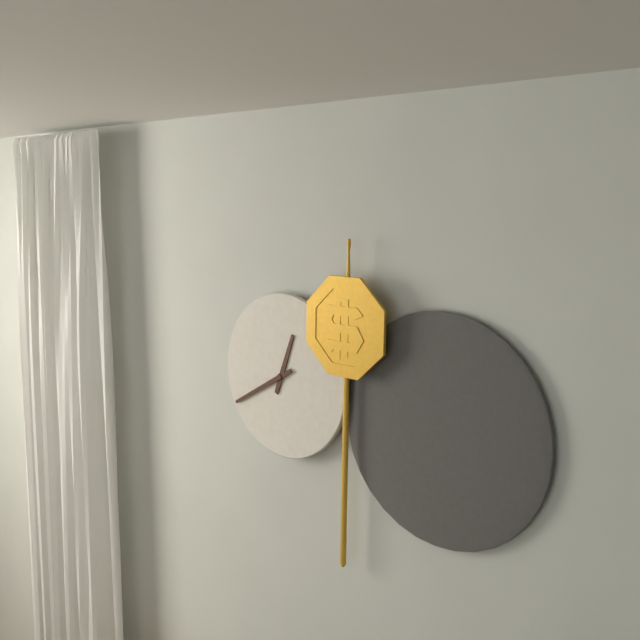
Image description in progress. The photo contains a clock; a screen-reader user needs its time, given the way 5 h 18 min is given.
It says 12 h 40 min
